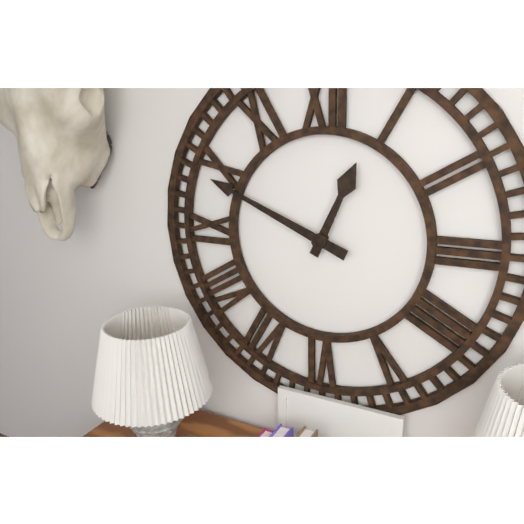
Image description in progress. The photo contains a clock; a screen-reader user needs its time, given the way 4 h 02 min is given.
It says 12 h 49 min
